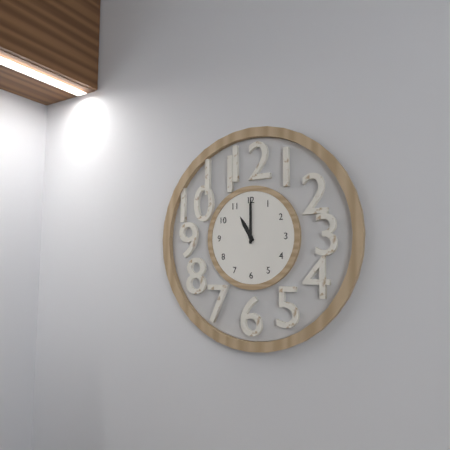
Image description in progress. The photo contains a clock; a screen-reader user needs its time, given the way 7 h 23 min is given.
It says 11 h 00 min
